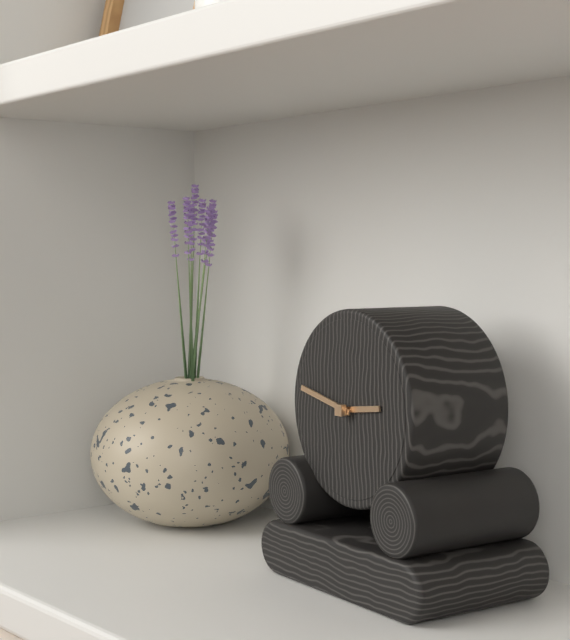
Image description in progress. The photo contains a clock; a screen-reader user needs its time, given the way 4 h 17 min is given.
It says 2 h 47 min
